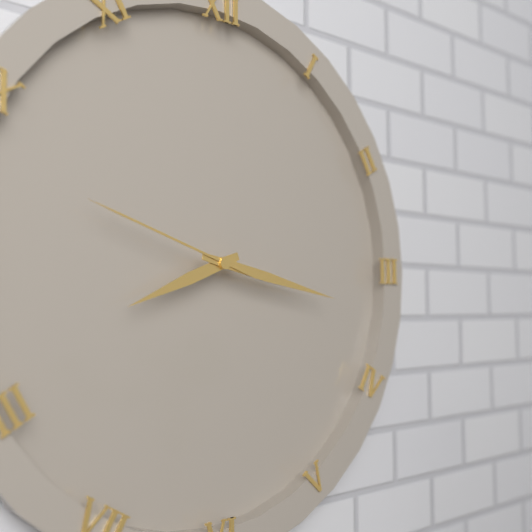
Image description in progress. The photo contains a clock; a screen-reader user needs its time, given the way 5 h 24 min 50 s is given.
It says 8 h 17 min 48 s
